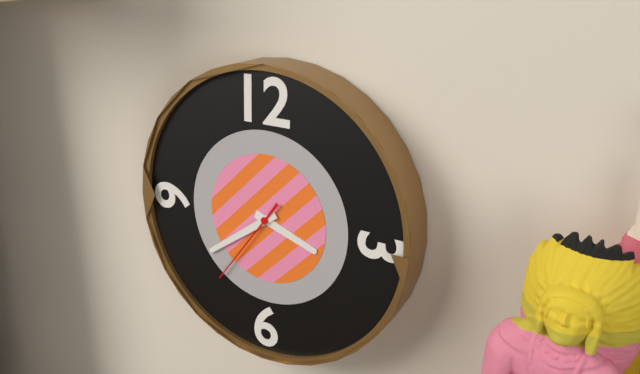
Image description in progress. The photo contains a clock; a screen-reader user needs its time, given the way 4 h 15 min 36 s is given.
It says 3 h 39 min 36 s
